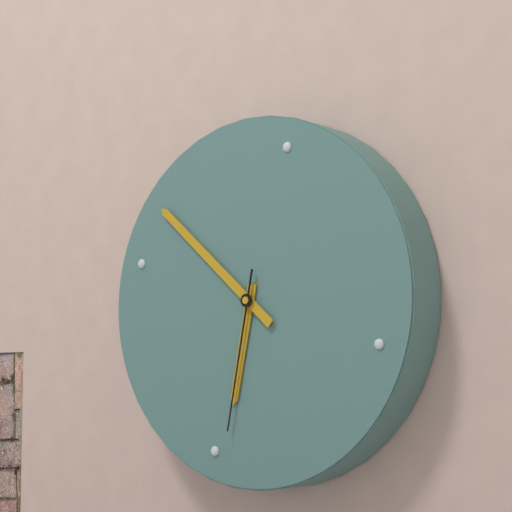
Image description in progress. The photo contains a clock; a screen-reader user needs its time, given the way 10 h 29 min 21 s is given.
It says 5 h 49 min 29 s
